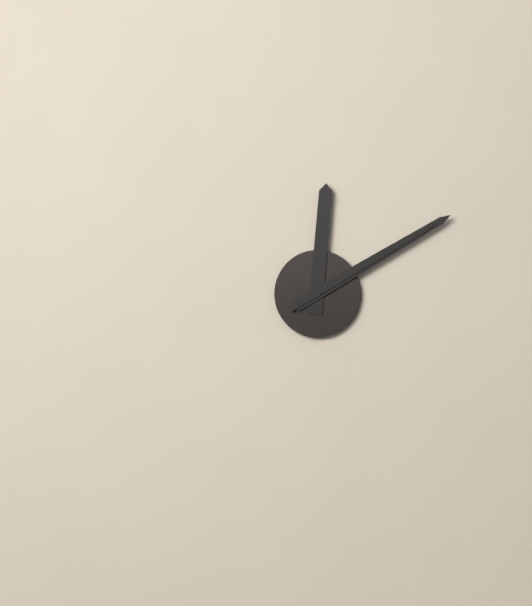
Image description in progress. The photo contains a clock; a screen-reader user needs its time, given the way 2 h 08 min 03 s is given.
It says 12 h 10 min 10 s
